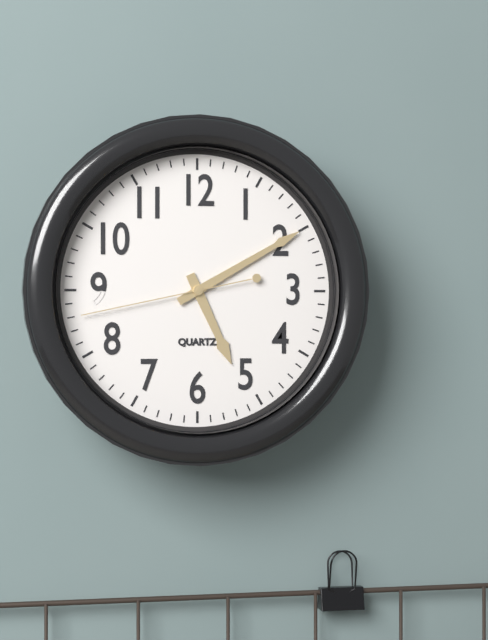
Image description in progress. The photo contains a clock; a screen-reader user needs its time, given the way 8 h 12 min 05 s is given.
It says 5 h 10 min 43 s
